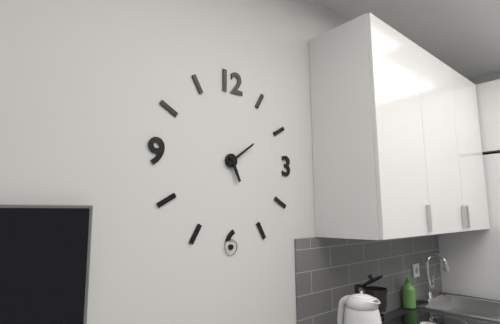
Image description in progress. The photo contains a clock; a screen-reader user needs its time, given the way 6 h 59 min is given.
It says 5 h 09 min
